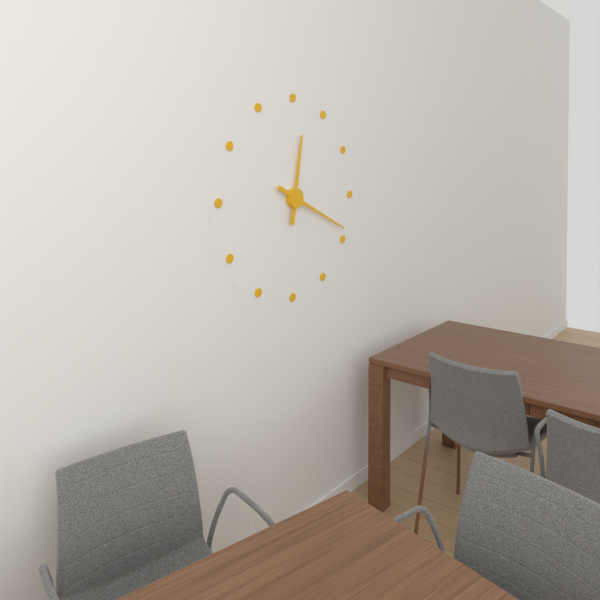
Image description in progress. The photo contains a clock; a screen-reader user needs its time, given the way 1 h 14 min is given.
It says 12 h 19 min
